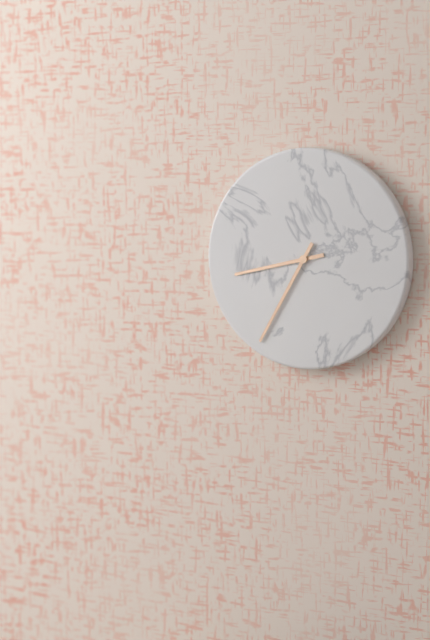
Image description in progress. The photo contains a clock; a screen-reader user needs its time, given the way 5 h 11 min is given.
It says 8 h 35 min
